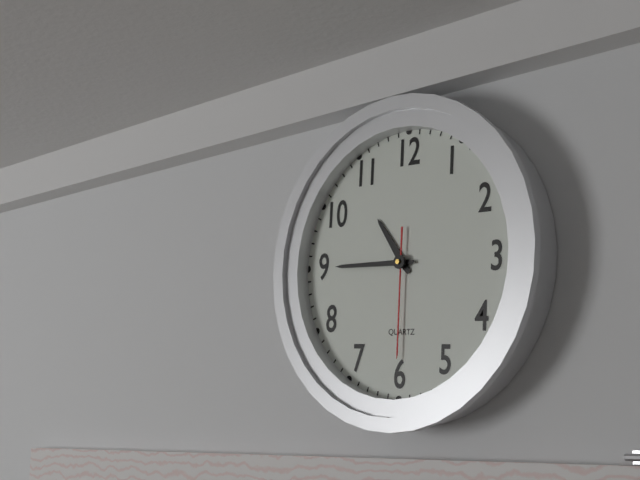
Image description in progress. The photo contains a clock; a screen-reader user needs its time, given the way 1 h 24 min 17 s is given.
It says 10 h 45 min 30 s
